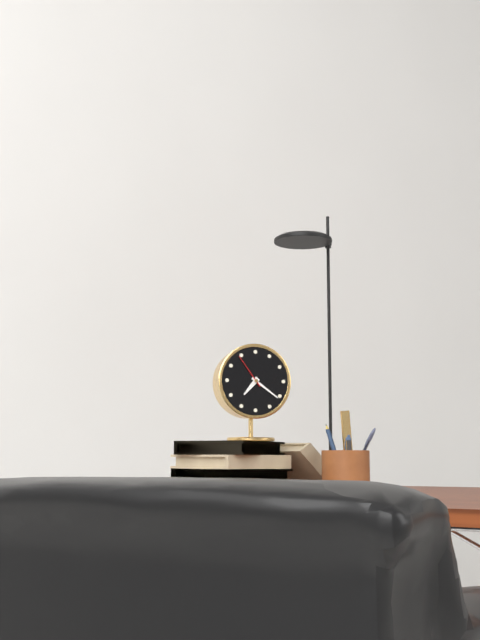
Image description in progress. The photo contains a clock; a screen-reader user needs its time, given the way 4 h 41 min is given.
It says 7 h 21 min
